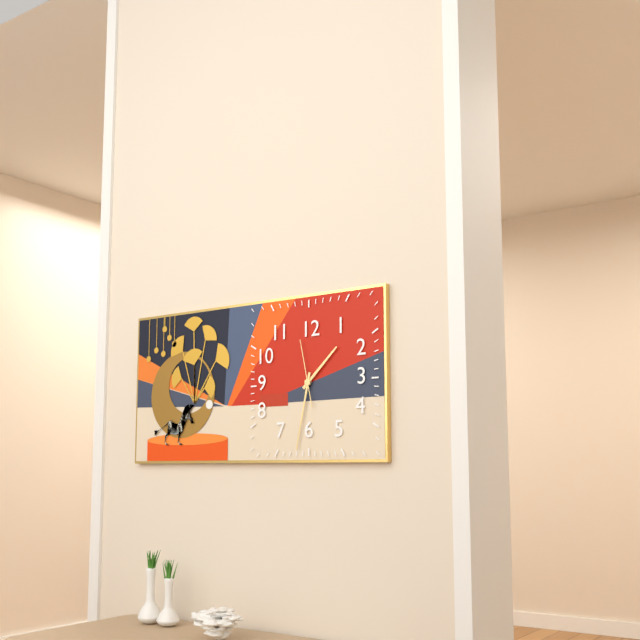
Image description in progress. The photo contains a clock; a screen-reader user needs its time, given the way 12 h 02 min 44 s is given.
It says 1 h 32 min 58 s
